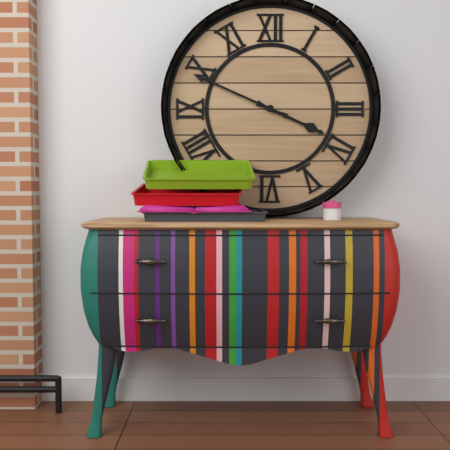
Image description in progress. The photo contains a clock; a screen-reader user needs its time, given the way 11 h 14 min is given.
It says 3 h 49 min
